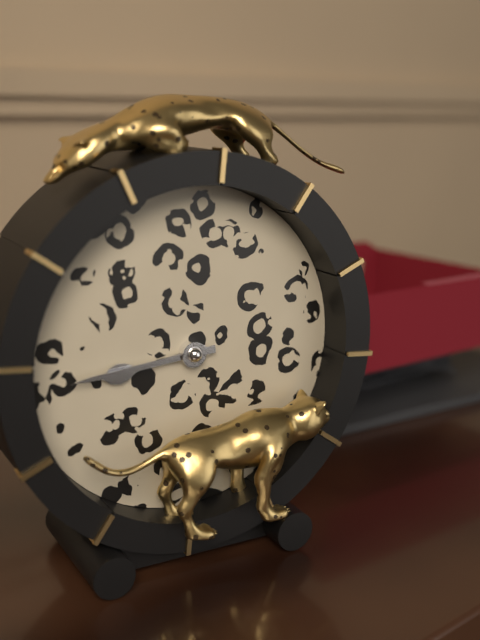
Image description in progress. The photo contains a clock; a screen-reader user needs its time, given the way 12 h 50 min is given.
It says 8 h 44 min
